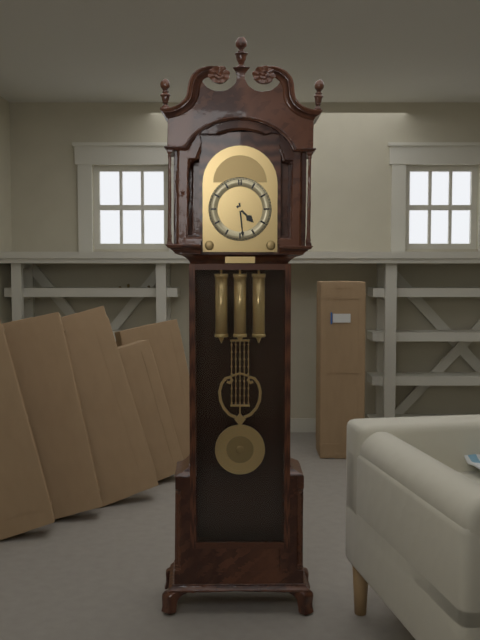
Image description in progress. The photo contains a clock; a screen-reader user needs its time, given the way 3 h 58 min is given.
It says 4 h 29 min
